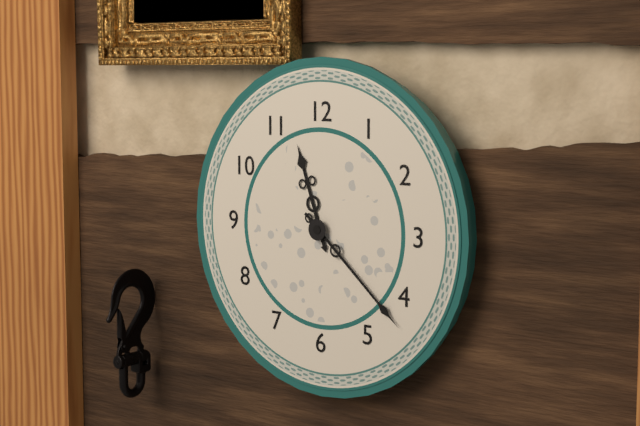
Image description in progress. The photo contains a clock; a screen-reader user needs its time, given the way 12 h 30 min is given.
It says 11 h 22 min
